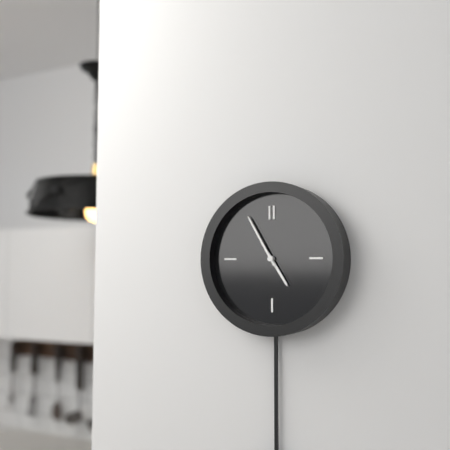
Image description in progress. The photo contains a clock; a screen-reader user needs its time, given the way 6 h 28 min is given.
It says 4 h 55 min
